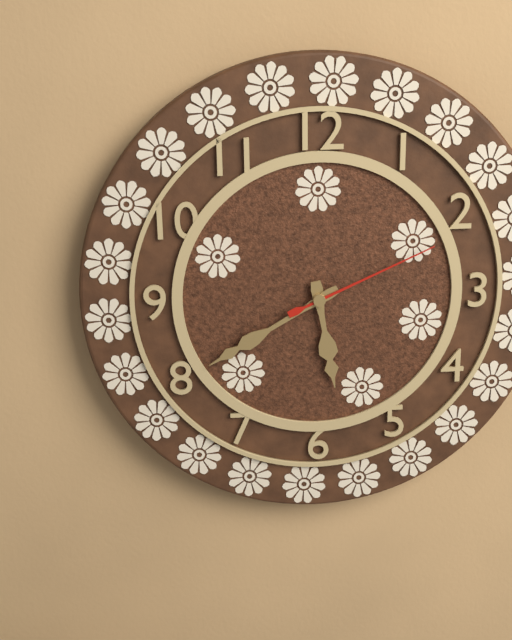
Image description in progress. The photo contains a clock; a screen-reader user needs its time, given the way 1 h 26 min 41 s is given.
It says 5 h 40 min 11 s
